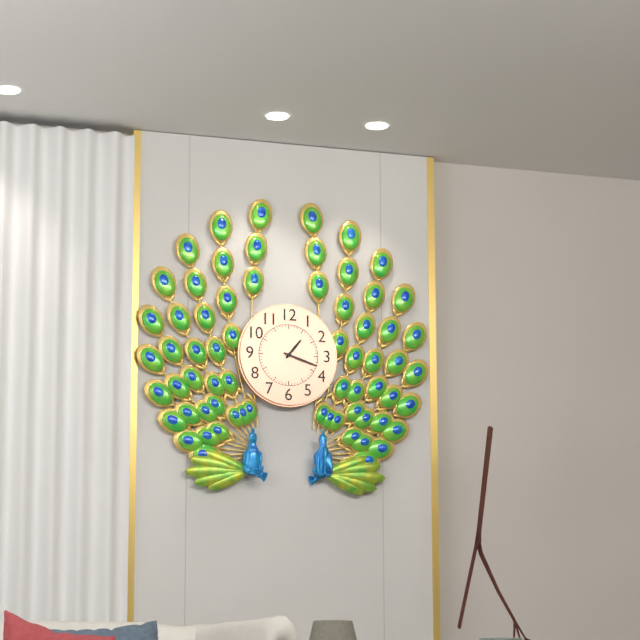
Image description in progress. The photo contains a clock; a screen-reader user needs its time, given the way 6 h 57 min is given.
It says 1 h 18 min
